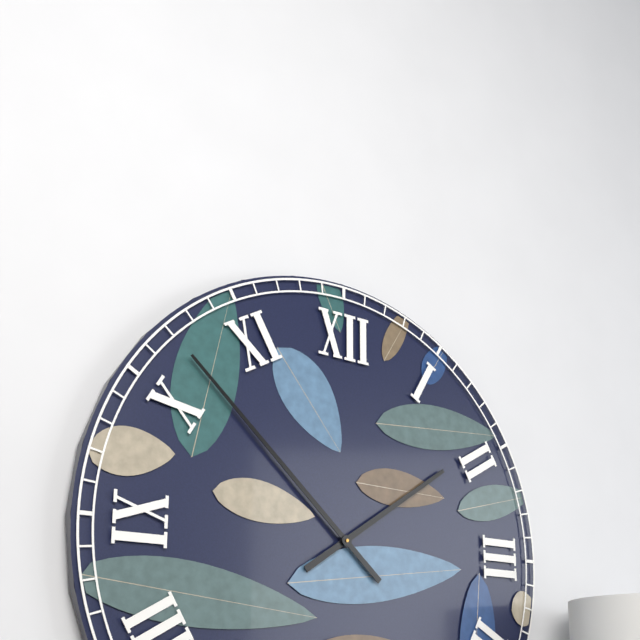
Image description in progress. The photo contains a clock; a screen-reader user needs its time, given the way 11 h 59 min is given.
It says 1 h 52 min
